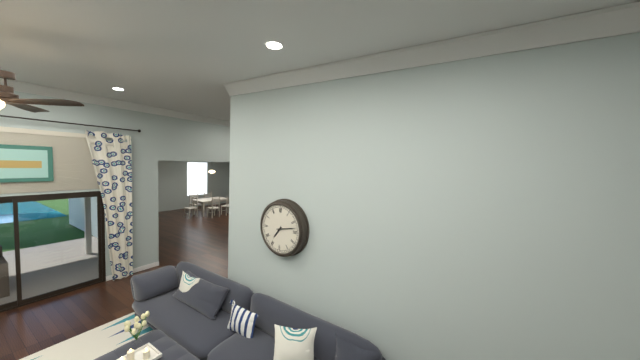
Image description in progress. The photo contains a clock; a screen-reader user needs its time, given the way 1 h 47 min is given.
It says 7 h 13 min
